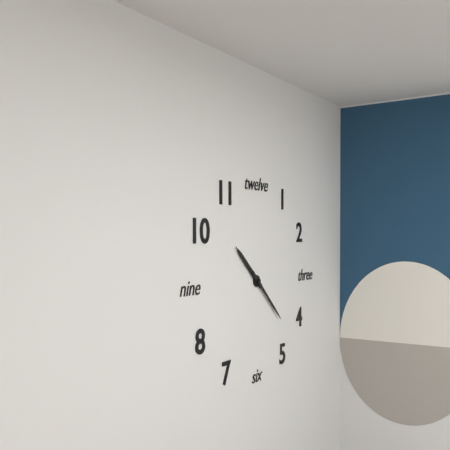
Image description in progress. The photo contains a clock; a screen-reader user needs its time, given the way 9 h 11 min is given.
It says 10 h 22 min
